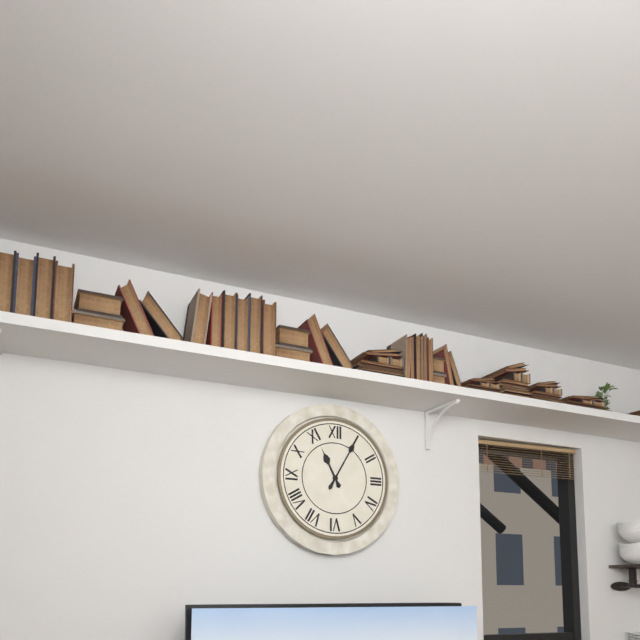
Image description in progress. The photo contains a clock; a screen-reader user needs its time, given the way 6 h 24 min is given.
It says 11 h 05 min
